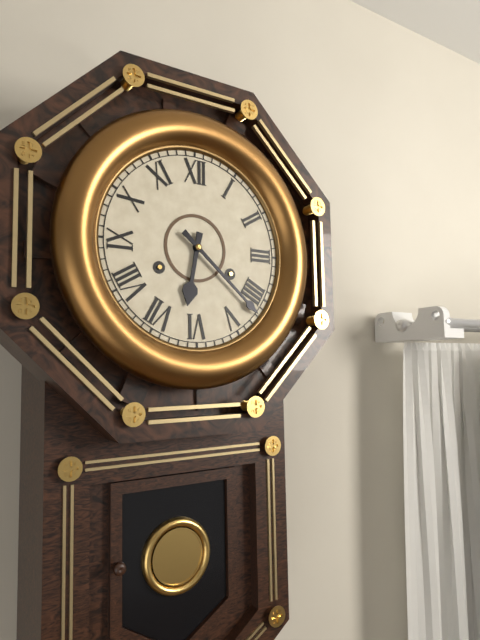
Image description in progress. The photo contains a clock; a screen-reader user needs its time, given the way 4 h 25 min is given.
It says 6 h 22 min
